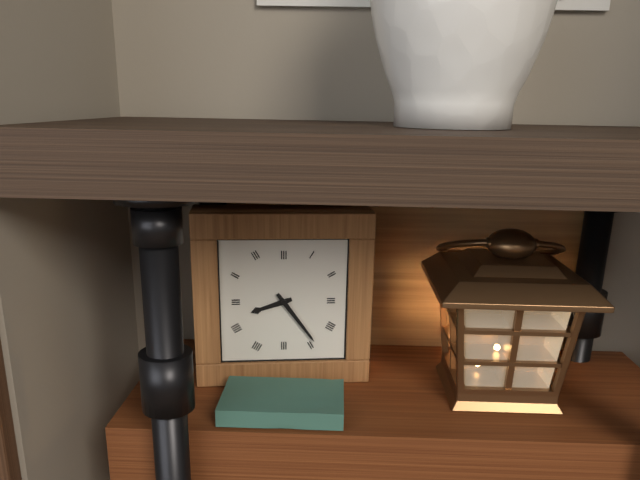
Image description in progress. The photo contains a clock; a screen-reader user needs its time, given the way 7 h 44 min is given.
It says 8 h 24 min
